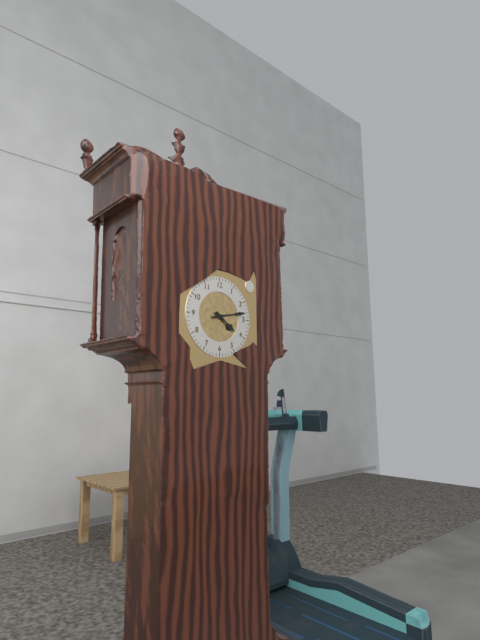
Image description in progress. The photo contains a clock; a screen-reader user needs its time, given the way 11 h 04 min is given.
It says 4 h 13 min
